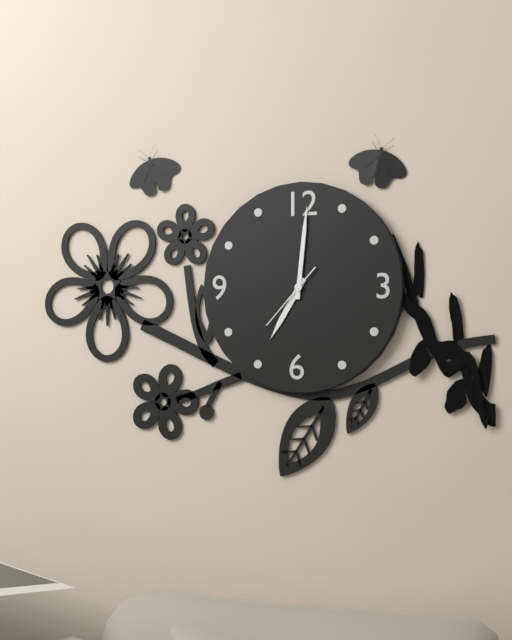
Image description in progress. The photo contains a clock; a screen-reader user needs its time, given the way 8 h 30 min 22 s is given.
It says 7 h 01 min 37 s
